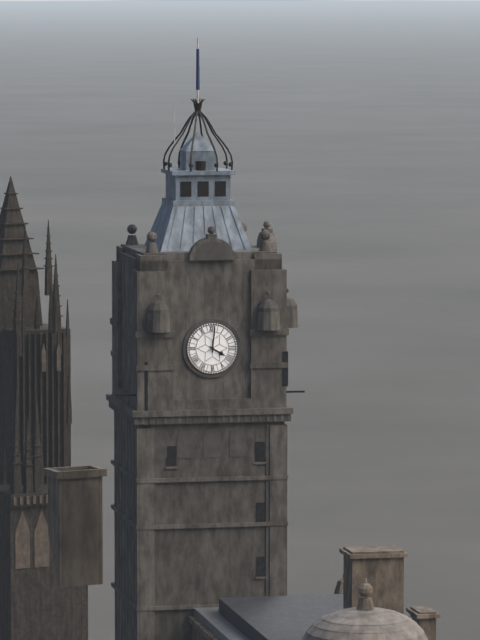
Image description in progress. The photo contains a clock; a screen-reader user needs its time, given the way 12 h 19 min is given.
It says 4 h 01 min
